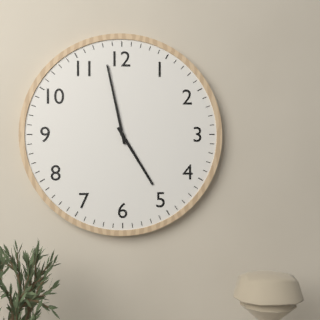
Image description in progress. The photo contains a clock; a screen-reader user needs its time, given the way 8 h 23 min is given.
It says 4 h 58 min
